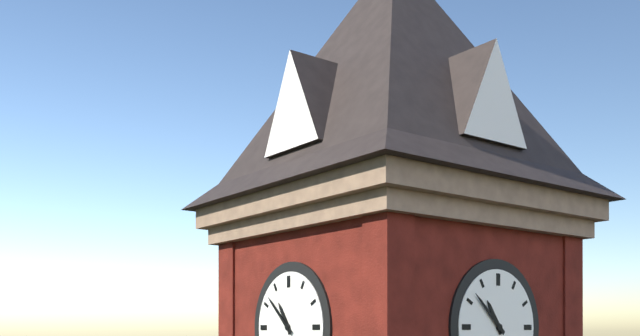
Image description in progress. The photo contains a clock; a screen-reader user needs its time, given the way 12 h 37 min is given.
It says 10 h 52 min
